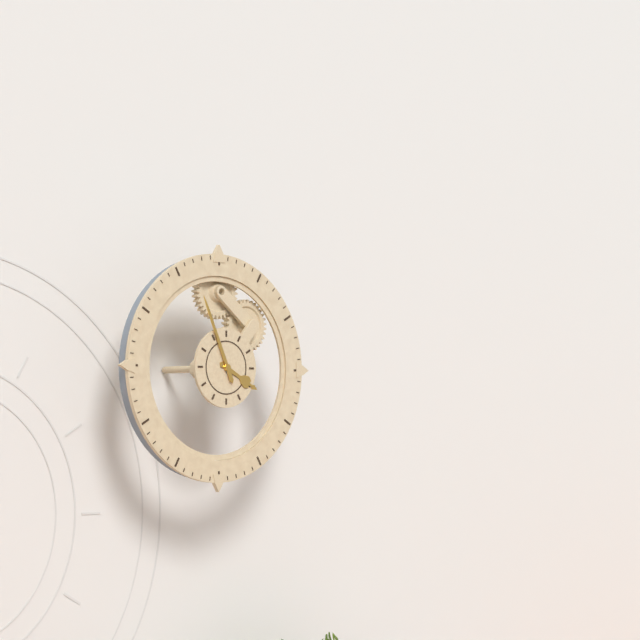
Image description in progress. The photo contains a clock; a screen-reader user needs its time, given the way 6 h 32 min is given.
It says 3 h 56 min
